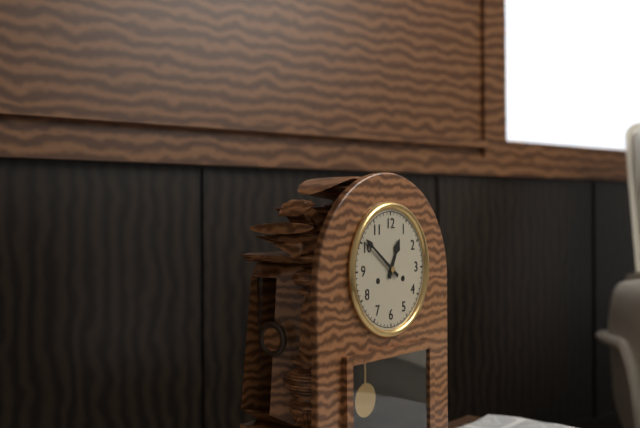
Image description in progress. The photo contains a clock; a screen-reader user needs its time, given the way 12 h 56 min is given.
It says 12 h 51 min
